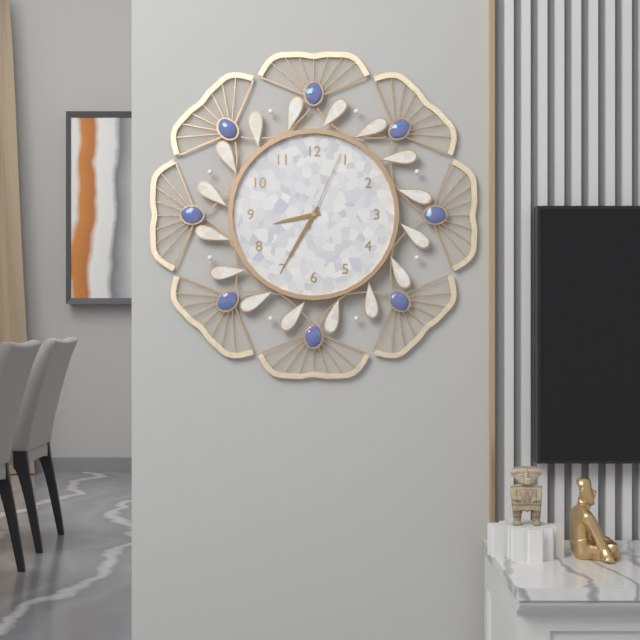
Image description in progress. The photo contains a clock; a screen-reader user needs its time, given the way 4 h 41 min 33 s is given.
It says 8 h 35 min 04 s
